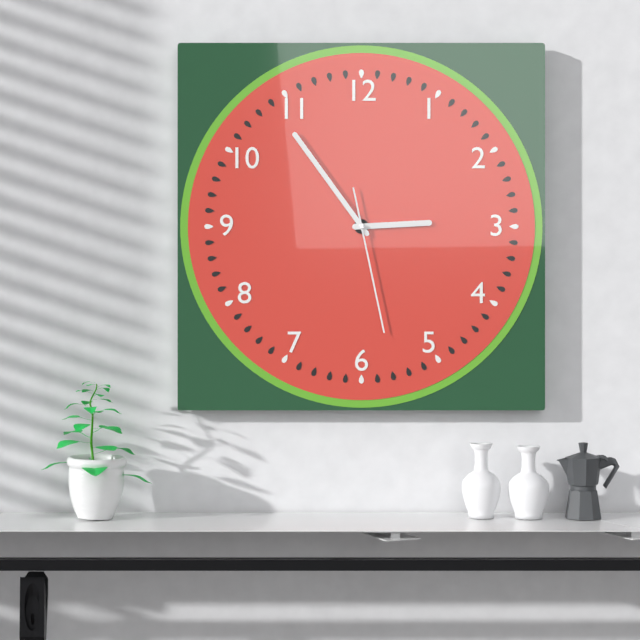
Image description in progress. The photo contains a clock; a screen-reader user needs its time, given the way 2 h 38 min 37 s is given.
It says 2 h 54 min 28 s
